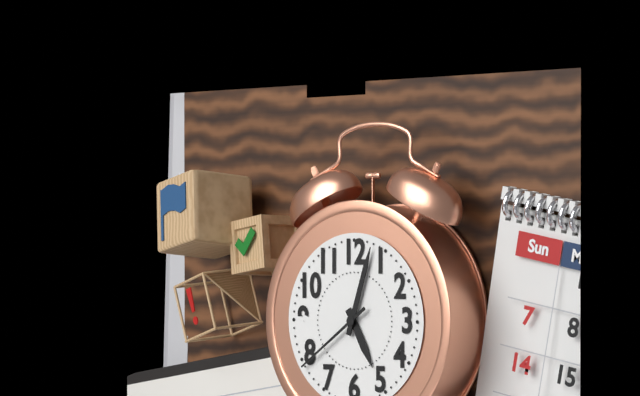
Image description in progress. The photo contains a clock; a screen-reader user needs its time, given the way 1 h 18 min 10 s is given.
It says 5 h 03 min 39 s
